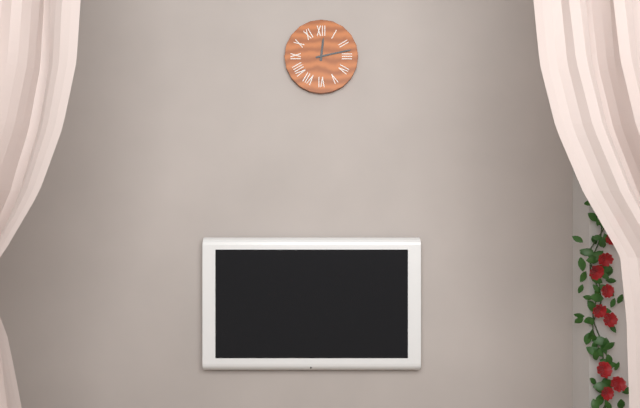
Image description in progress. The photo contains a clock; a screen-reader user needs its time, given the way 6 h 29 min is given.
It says 12 h 13 min
